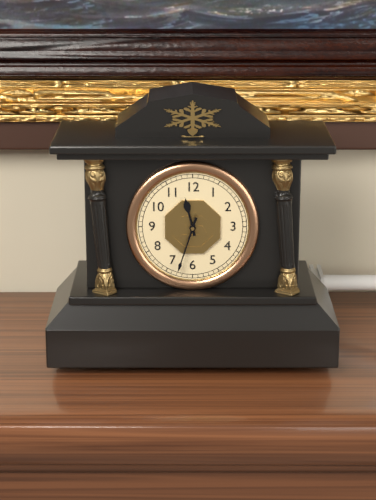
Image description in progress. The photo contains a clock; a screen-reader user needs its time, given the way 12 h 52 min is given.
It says 11 h 33 min
